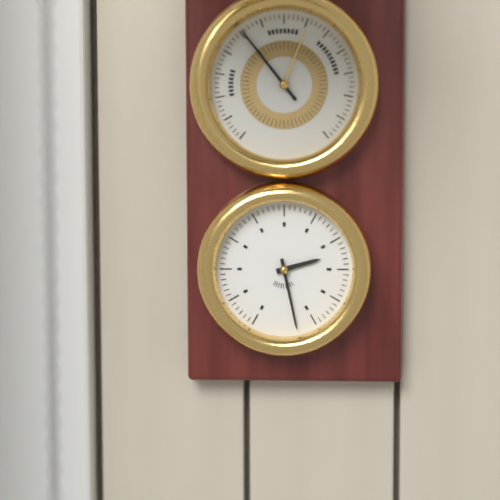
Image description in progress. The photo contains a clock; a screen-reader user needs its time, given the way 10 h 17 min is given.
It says 2 h 28 min
